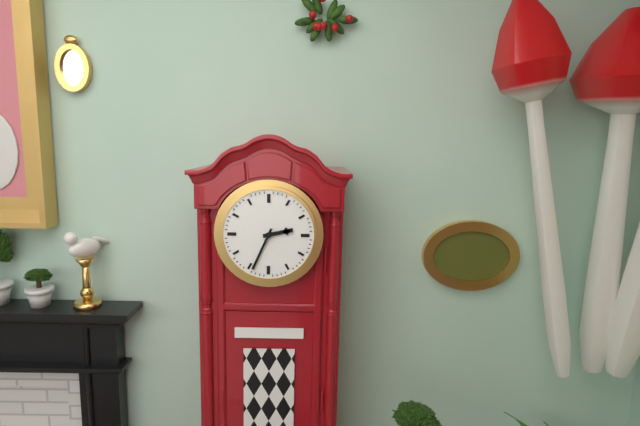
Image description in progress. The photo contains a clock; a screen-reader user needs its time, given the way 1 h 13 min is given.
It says 2 h 34 min
